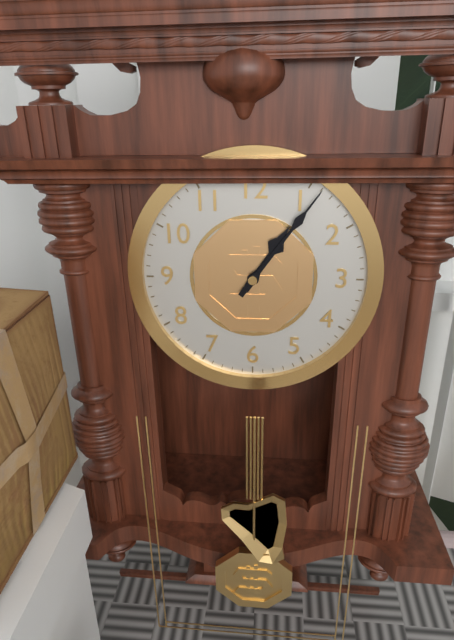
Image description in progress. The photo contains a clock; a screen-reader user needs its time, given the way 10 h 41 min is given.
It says 1 h 06 min
